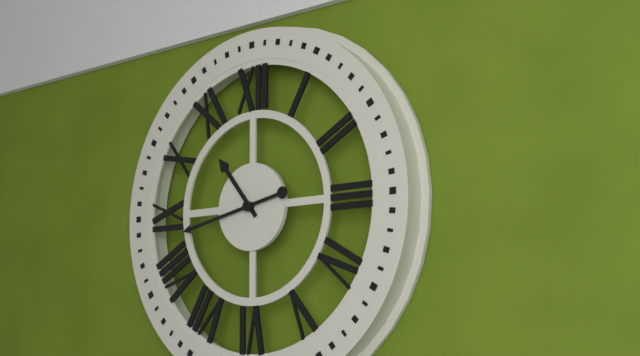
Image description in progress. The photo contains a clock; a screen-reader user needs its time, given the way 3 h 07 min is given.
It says 10 h 43 min
